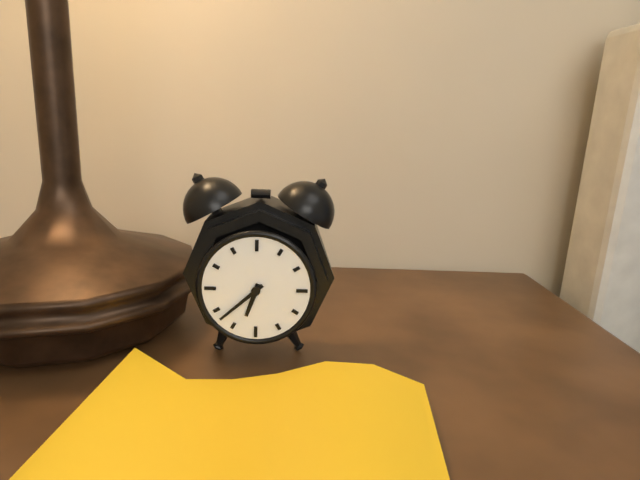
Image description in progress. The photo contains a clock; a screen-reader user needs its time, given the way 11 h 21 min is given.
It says 6 h 38 min
